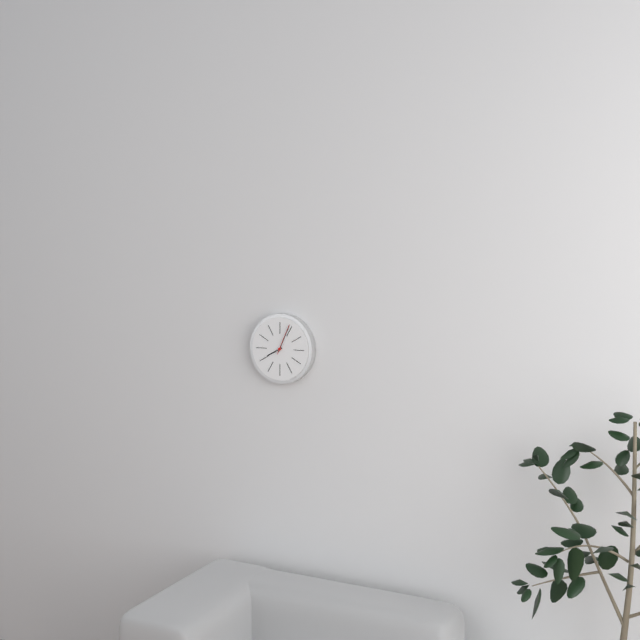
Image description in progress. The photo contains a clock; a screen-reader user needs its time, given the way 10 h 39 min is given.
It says 8 h 04 min
